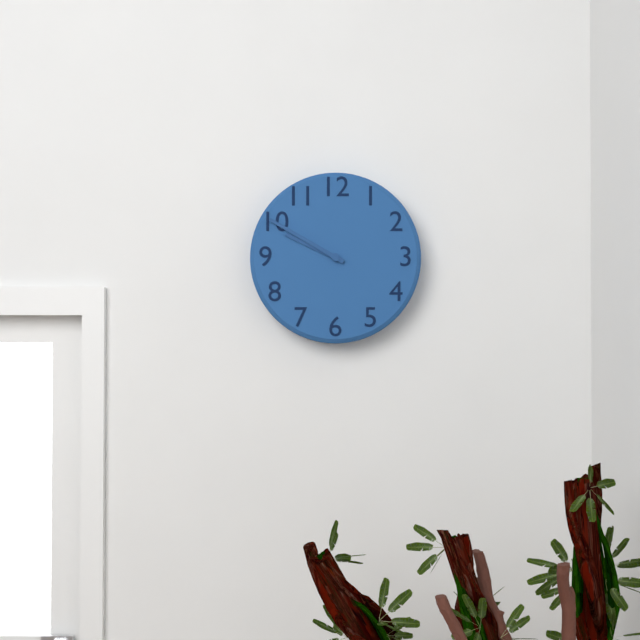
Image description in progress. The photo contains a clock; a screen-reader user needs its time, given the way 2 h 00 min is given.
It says 9 h 50 min
